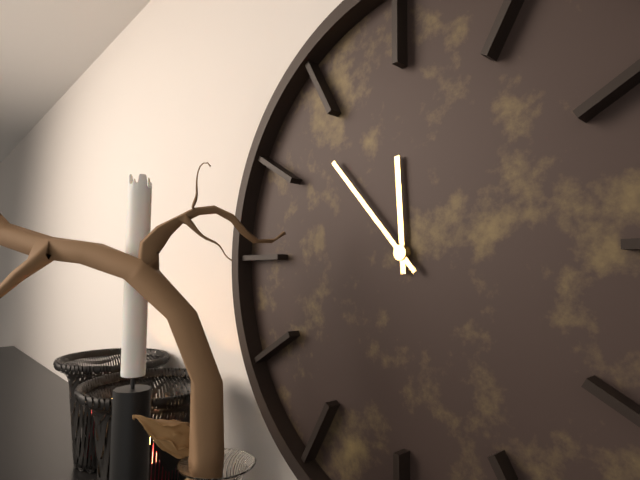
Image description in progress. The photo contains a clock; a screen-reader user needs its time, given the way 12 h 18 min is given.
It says 11 h 53 min
